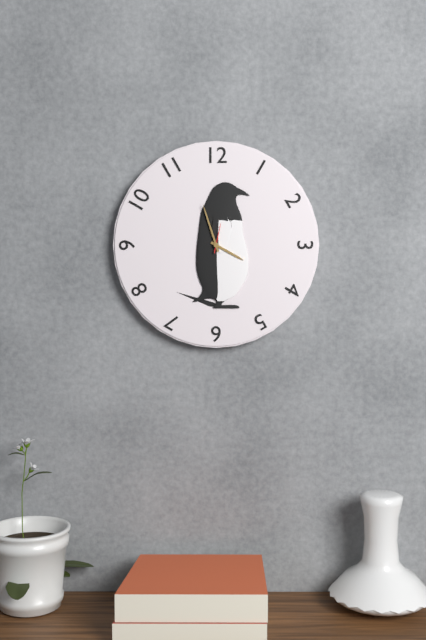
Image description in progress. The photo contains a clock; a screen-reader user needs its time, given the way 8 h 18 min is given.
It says 3 h 57 min
